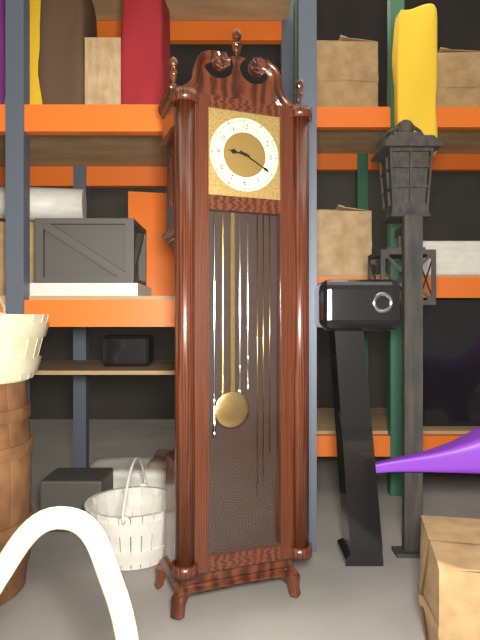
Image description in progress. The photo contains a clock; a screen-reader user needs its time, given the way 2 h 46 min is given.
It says 9 h 20 min
